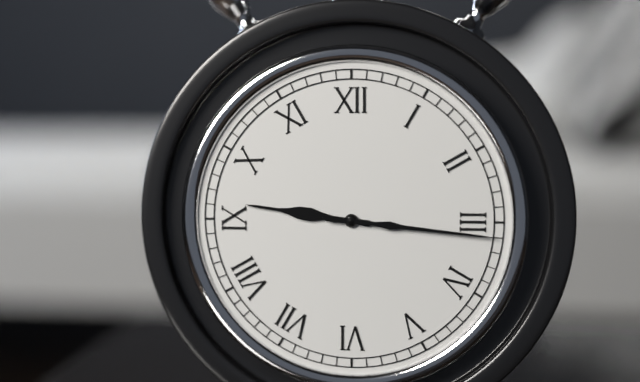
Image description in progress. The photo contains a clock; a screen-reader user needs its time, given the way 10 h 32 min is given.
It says 9 h 16 min
